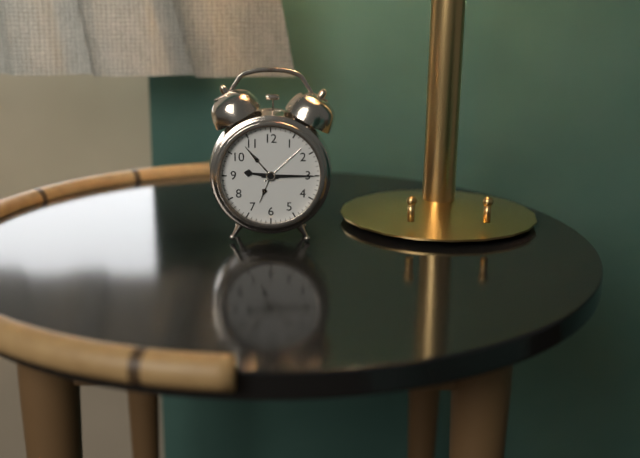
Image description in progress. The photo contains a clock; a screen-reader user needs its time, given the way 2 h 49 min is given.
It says 9 h 15 min
